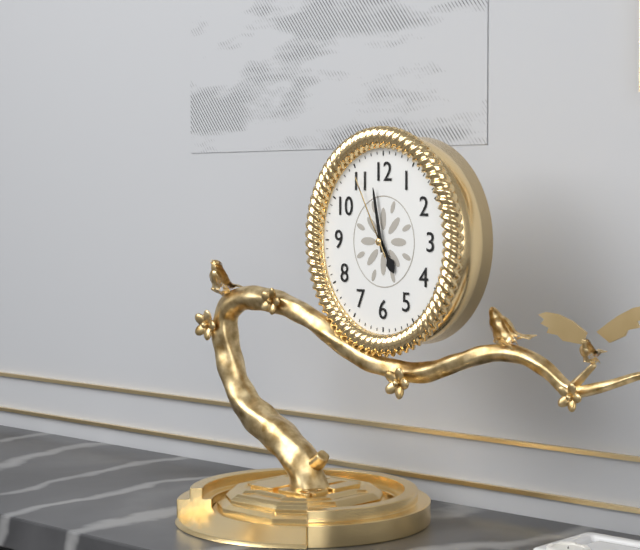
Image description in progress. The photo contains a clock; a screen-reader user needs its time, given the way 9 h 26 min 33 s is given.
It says 4 h 58 min 55 s
